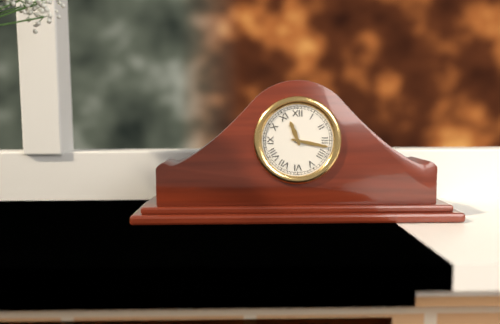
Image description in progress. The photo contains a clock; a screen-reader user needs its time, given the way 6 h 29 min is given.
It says 11 h 17 min
